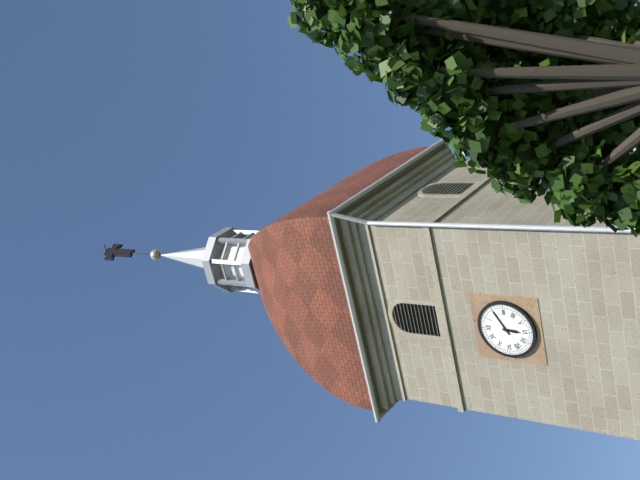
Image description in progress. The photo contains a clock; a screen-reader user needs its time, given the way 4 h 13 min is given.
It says 6 h 10 min
